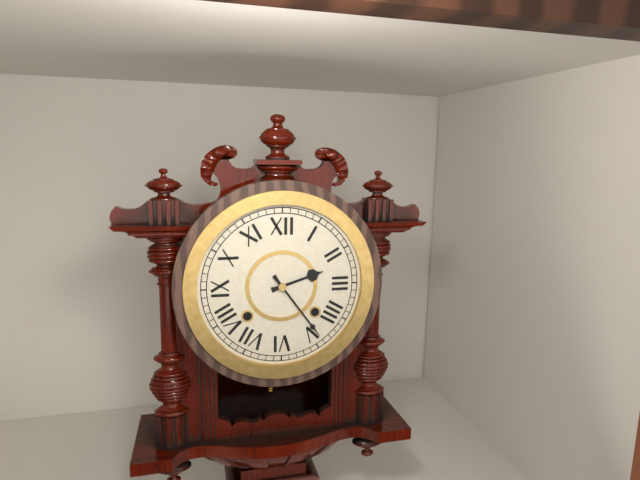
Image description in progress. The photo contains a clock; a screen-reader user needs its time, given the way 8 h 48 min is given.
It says 2 h 24 min
